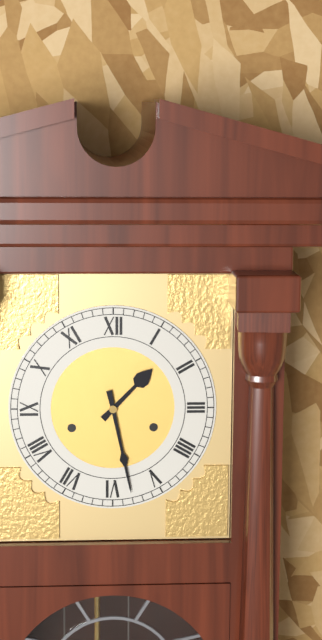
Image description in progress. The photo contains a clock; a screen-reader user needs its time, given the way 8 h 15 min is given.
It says 1 h 28 min
